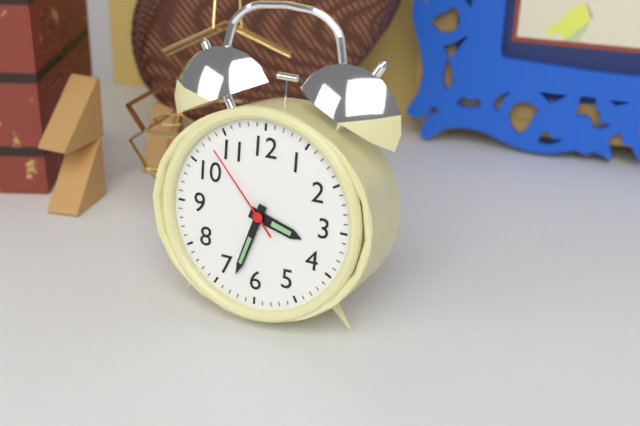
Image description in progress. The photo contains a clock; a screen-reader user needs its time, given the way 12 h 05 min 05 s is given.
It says 3 h 33 min 53 s
